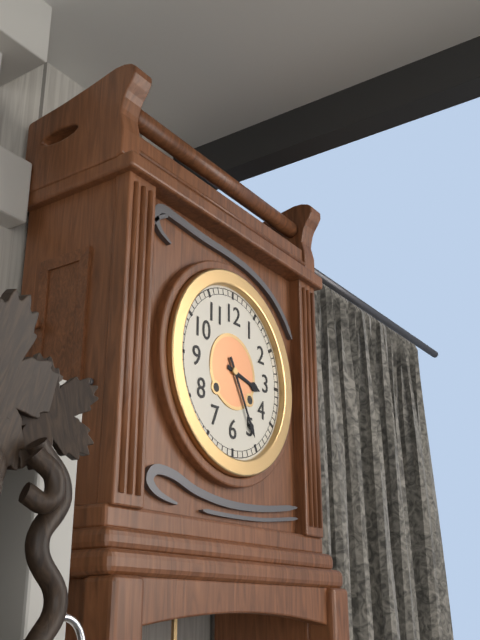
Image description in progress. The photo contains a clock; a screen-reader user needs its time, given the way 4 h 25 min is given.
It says 3 h 25 min
